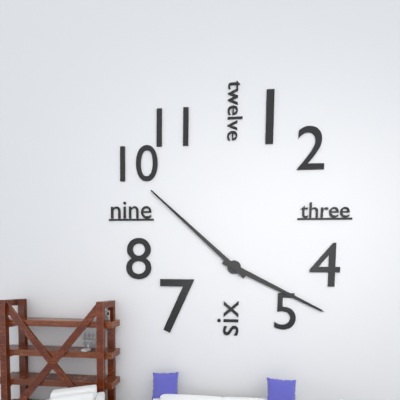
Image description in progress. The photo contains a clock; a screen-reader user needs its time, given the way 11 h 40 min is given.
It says 3 h 52 min
